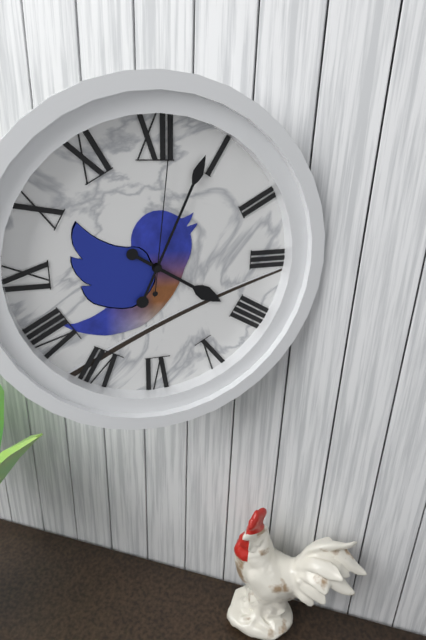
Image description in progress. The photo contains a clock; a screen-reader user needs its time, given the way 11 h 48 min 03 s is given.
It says 4 h 04 min 01 s
